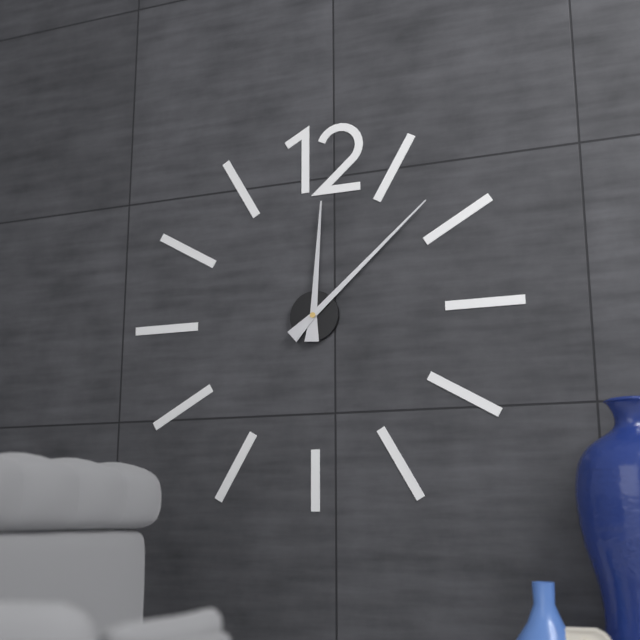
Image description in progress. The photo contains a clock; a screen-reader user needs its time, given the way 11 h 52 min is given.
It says 12 h 08 min
